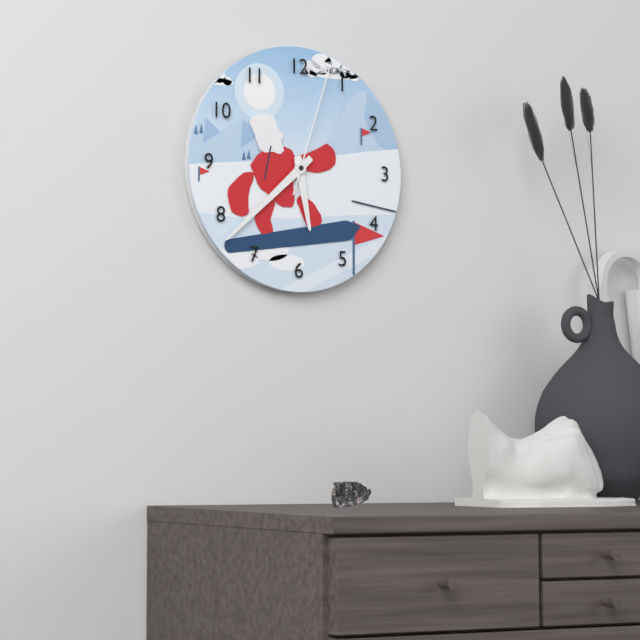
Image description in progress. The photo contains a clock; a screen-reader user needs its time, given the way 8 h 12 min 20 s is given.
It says 5 h 38 min 03 s
